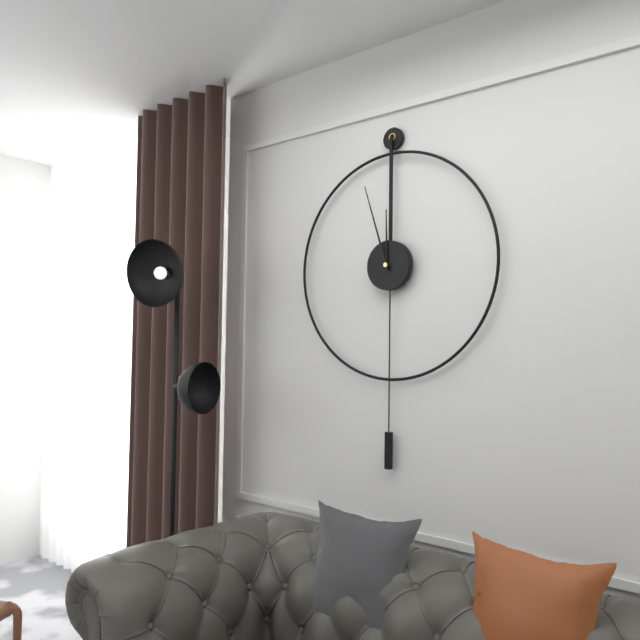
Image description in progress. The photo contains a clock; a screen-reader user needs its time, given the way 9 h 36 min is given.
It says 11 h 57 min
